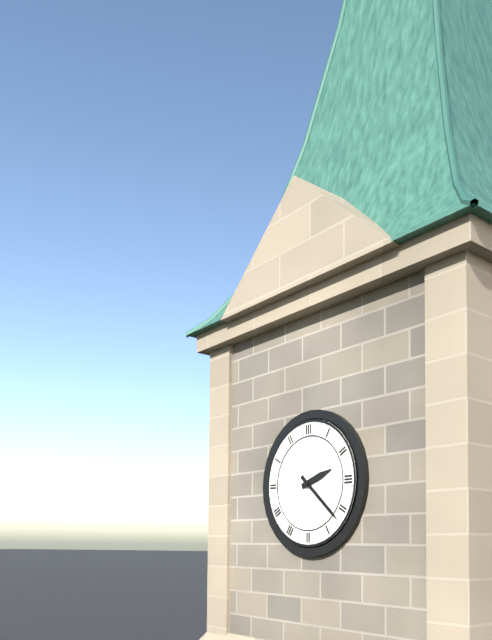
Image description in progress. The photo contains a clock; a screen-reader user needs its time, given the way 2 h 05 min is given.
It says 2 h 22 min
